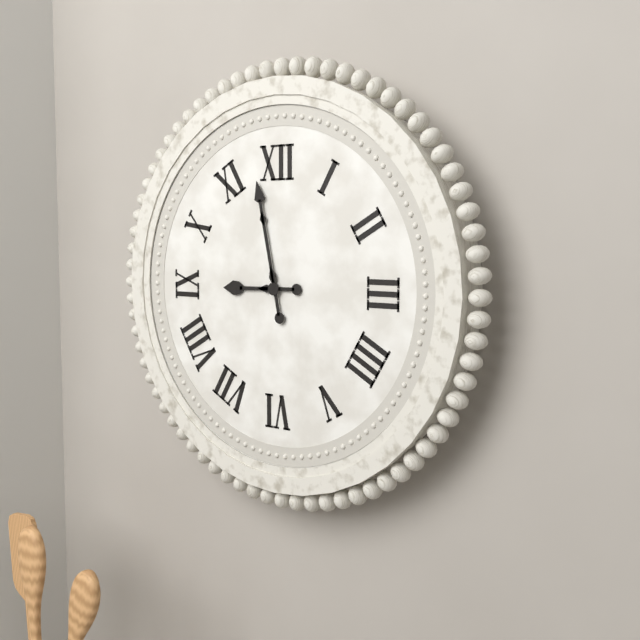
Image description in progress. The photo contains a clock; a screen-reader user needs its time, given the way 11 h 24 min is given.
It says 8 h 58 min
